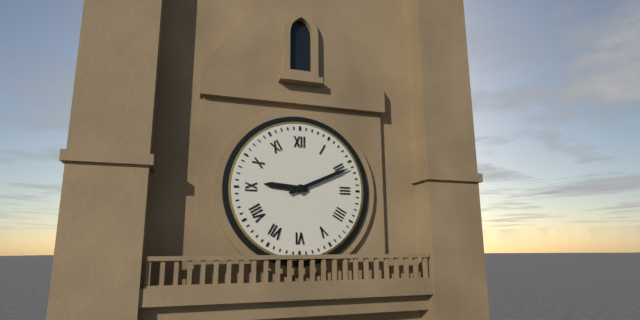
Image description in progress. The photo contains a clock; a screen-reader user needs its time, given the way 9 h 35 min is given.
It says 9 h 11 min
